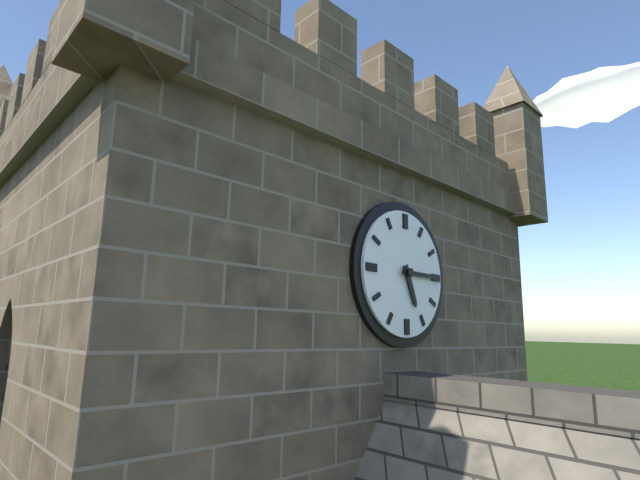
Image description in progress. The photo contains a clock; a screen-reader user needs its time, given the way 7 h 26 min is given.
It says 5 h 15 min
